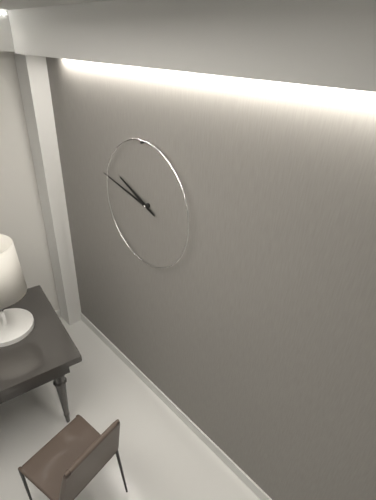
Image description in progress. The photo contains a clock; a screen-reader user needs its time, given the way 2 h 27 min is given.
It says 9 h 47 min
